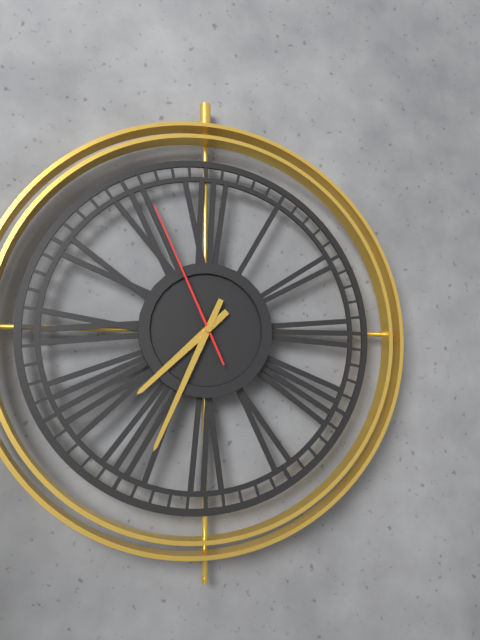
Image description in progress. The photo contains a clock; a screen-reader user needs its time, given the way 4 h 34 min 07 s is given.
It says 7 h 34 min 56 s
